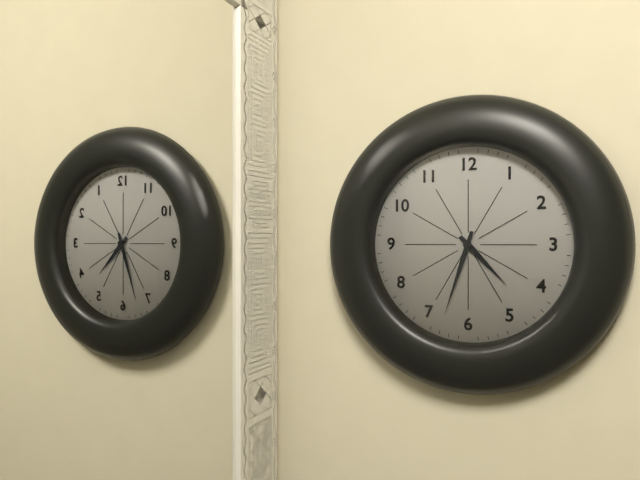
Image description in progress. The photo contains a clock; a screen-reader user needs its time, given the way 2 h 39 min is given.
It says 4 h 33 min
